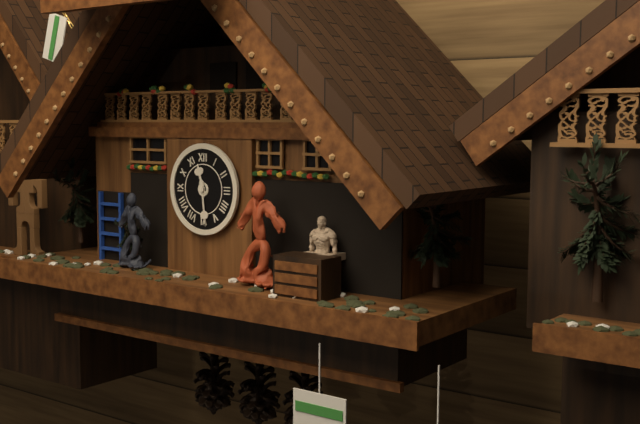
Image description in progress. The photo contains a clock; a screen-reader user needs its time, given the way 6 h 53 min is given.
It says 11 h 29 min
